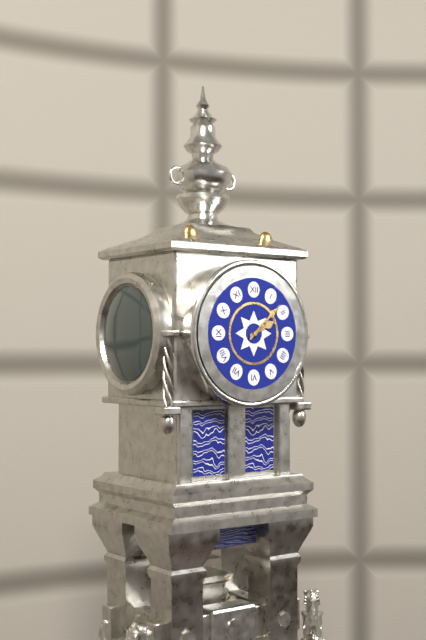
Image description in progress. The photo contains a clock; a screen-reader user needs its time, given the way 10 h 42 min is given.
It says 2 h 08 min
